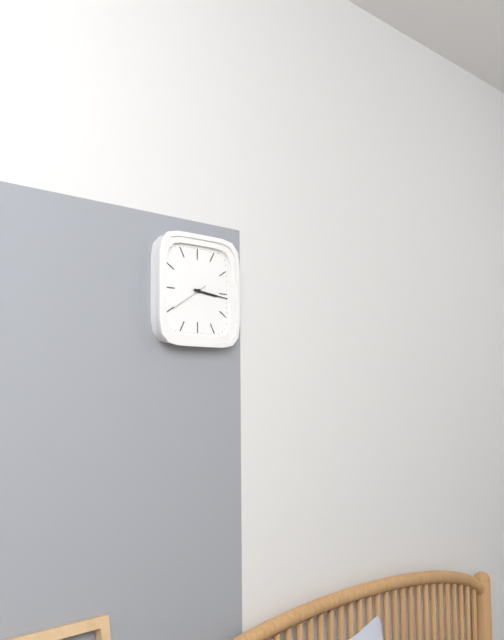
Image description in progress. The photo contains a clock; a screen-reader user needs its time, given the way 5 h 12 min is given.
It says 3 h 16 min
